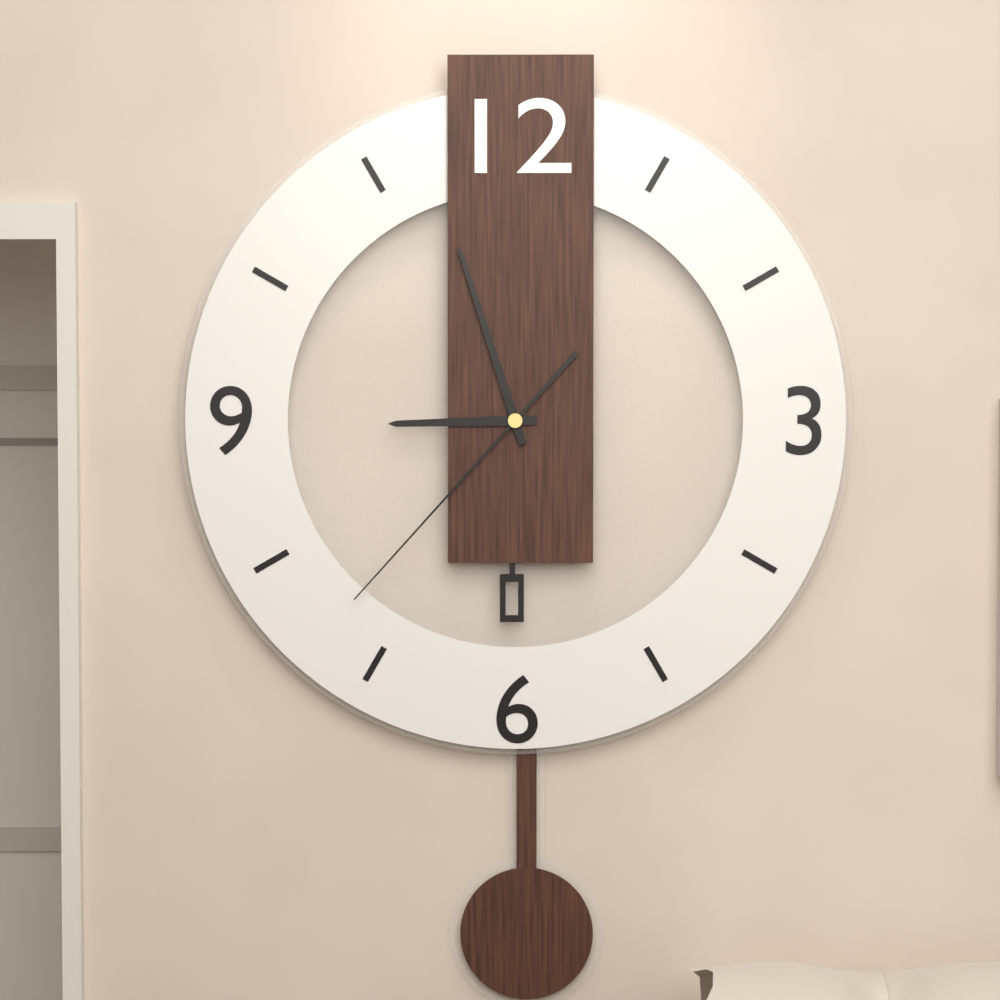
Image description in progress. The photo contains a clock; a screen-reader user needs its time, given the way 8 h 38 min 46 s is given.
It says 8 h 57 min 37 s
